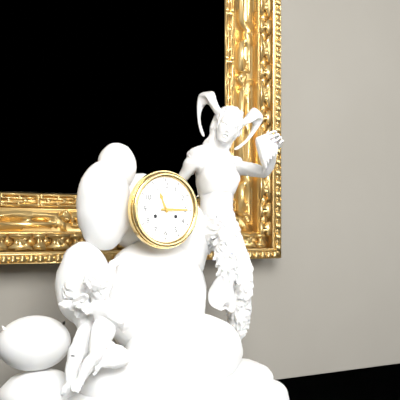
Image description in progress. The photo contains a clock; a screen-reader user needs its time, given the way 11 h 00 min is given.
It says 11 h 15 min
